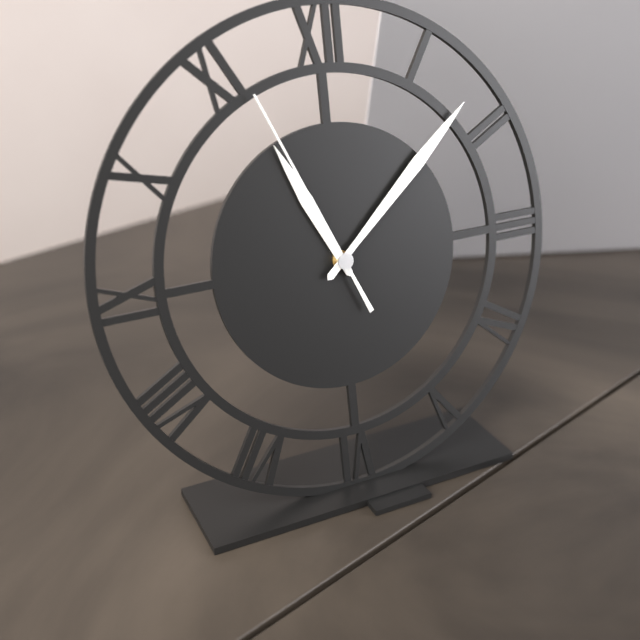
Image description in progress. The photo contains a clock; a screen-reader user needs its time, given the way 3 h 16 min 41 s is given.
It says 11 h 08 min 56 s
